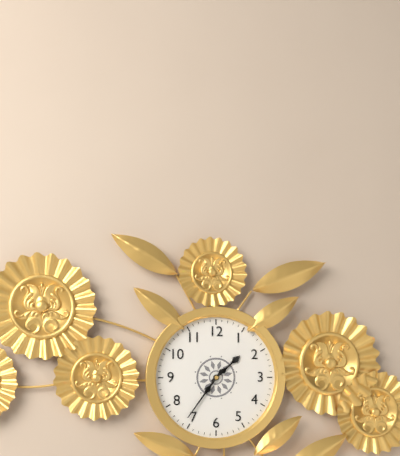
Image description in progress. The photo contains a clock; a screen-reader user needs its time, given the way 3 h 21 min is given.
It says 1 h 36 min
